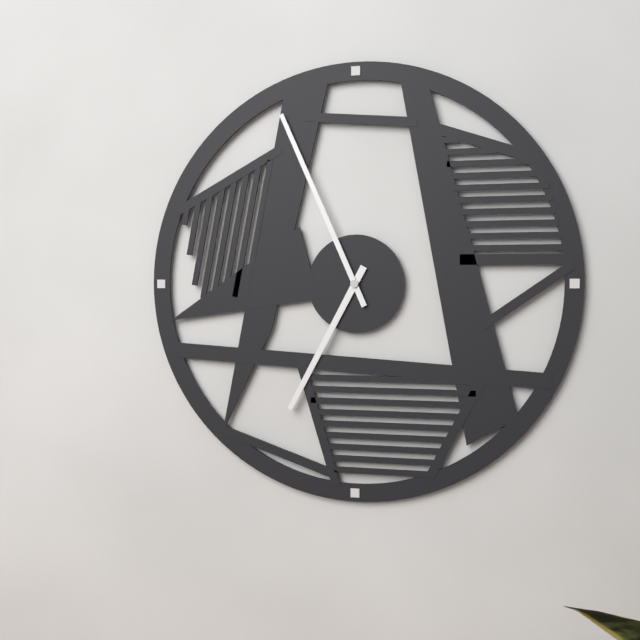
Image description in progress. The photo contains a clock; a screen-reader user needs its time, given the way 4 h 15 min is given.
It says 6 h 56 min
